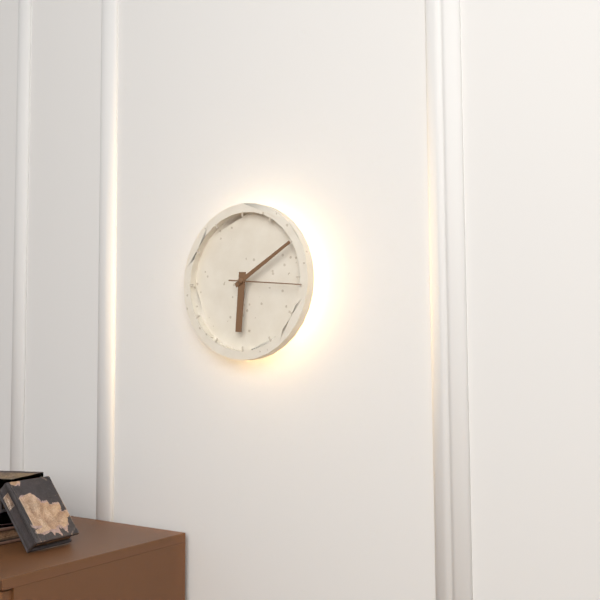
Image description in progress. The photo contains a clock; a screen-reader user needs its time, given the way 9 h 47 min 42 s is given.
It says 6 h 10 min 16 s
